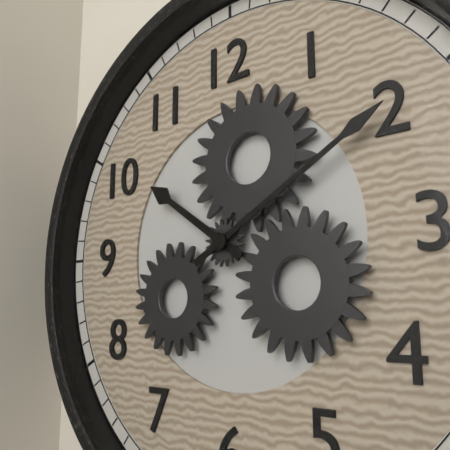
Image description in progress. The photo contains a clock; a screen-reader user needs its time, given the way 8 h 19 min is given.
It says 10 h 10 min
